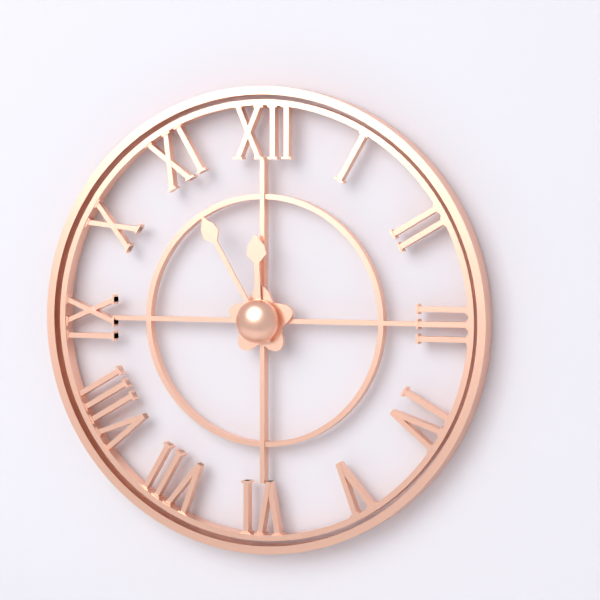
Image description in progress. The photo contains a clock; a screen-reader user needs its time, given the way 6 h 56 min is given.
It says 11 h 55 min
